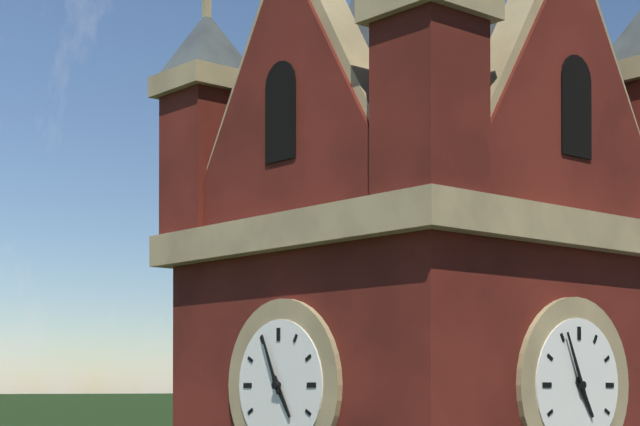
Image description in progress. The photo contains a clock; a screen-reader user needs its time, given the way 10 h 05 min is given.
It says 4 h 56 min
